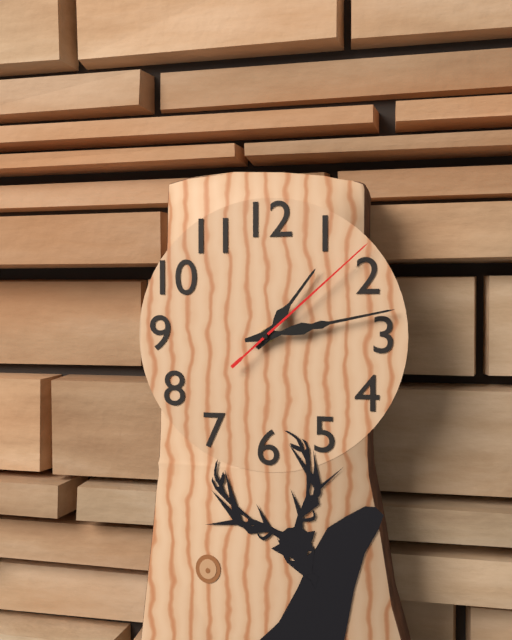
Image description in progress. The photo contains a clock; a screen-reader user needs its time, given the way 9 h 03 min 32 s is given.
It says 1 h 13 min 08 s
